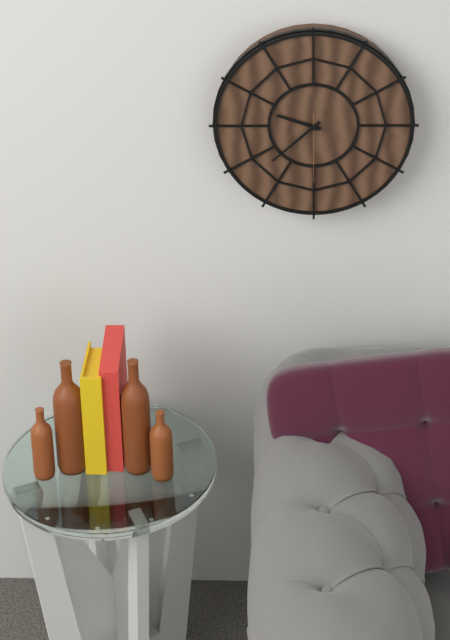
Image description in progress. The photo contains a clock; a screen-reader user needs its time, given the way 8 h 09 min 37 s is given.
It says 9 h 38 min 30 s
